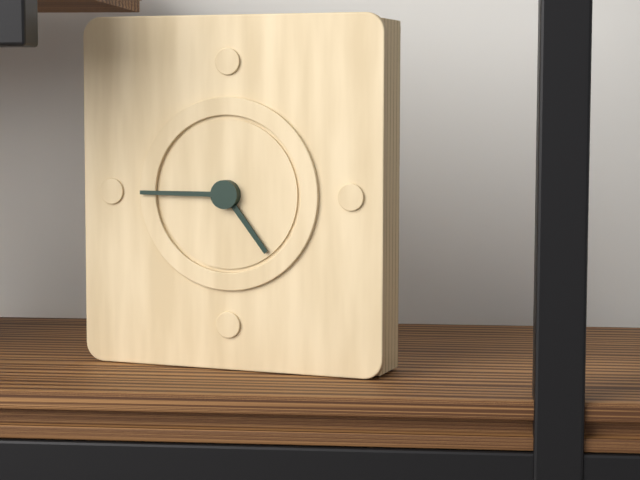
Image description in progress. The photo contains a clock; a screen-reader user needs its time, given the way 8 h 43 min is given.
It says 4 h 45 min
